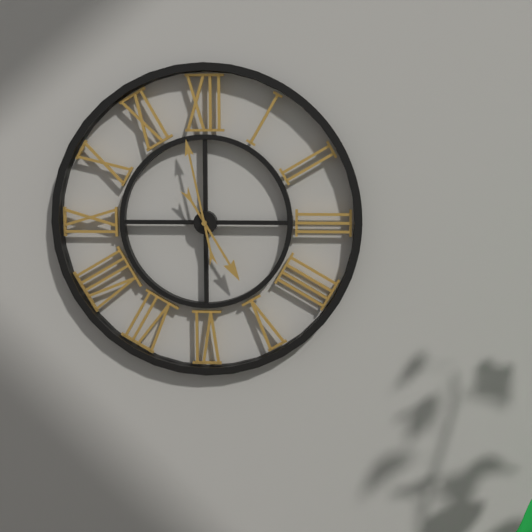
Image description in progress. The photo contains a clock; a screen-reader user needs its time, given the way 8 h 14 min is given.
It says 4 h 58 min
